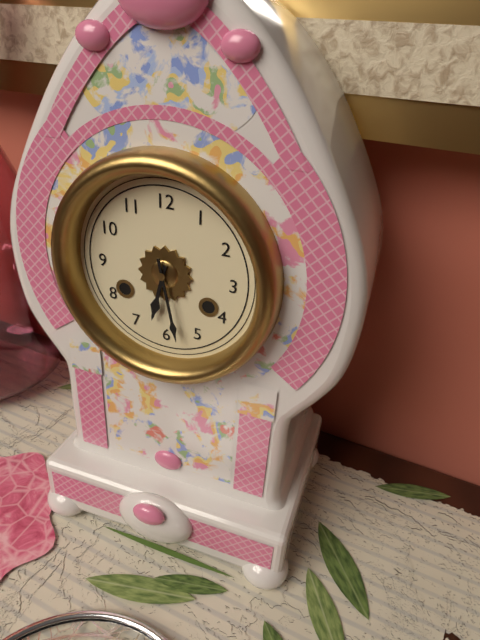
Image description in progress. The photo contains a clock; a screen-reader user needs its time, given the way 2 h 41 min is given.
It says 6 h 28 min
